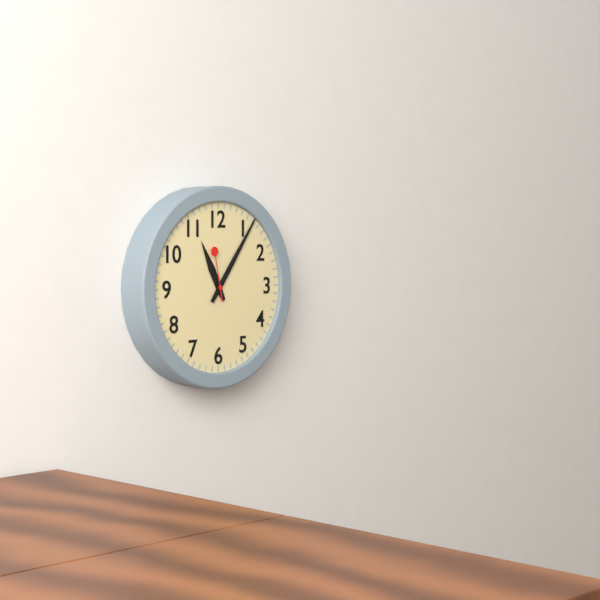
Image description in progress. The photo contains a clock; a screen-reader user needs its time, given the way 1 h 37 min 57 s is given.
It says 11 h 06 min 58 s
